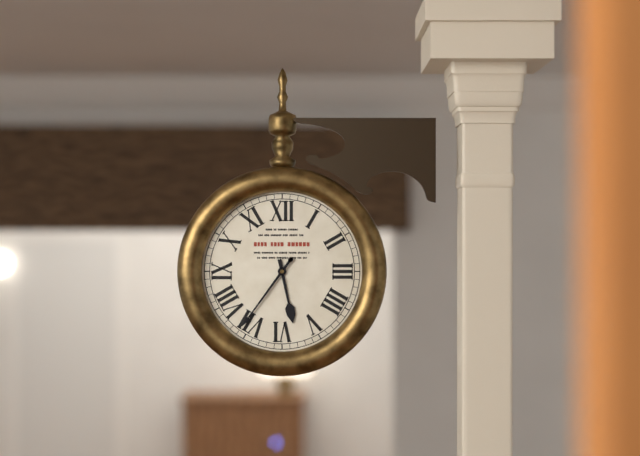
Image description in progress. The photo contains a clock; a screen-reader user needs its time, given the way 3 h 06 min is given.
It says 5 h 36 min
